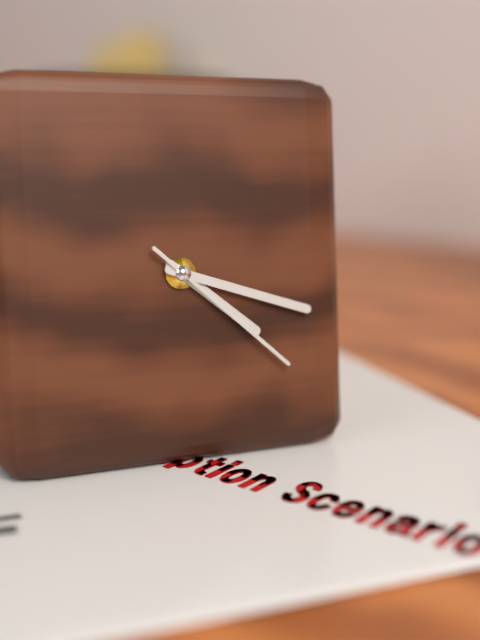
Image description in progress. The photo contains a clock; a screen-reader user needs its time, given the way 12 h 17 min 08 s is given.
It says 4 h 18 min 22 s
